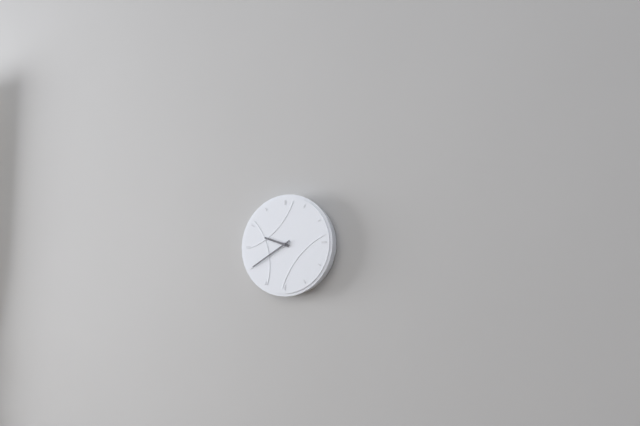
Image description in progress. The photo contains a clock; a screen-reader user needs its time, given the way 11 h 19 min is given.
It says 9 h 40 min
